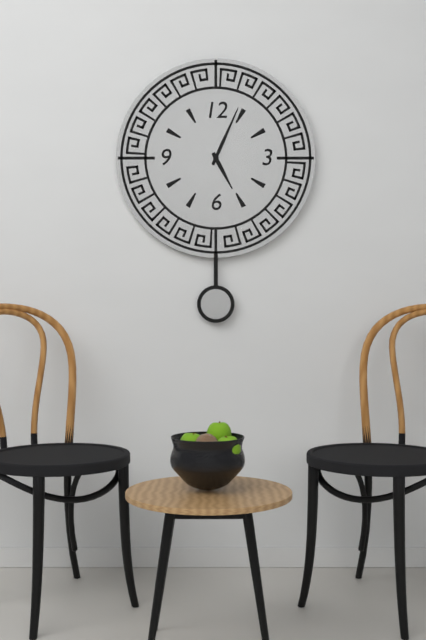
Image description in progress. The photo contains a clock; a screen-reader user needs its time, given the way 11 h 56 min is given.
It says 5 h 04 min
